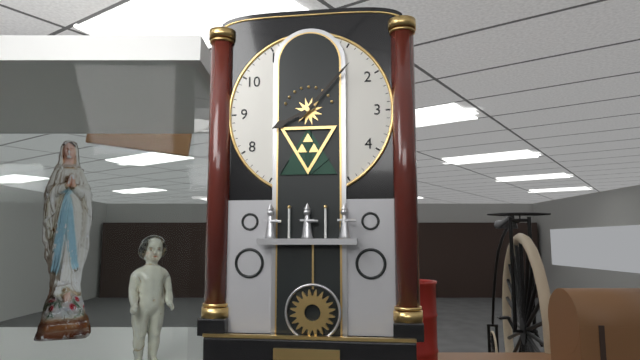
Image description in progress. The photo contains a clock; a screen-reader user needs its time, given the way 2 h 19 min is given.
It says 8 h 07 min
